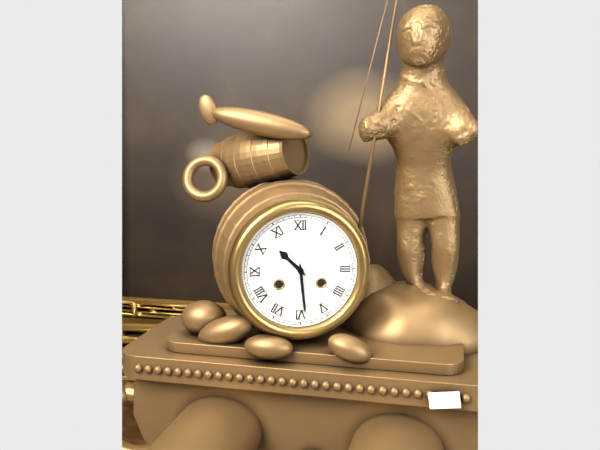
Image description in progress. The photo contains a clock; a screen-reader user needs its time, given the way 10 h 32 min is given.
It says 10 h 29 min
